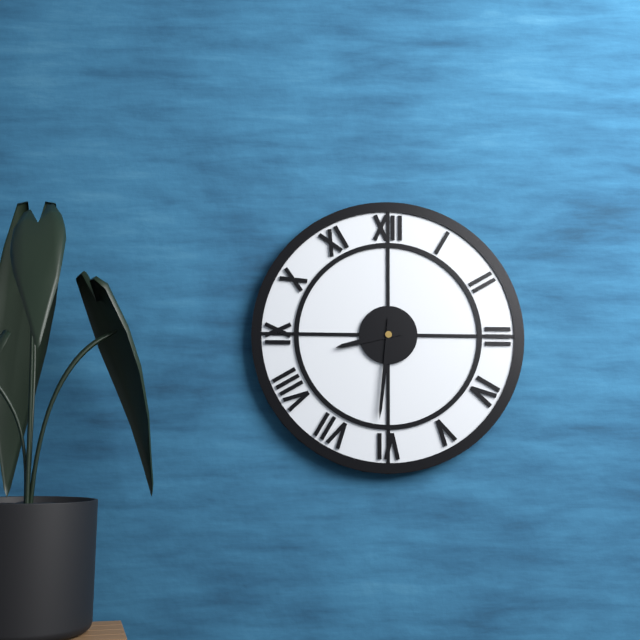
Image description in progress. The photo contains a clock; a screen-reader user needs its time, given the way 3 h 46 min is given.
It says 8 h 31 min
